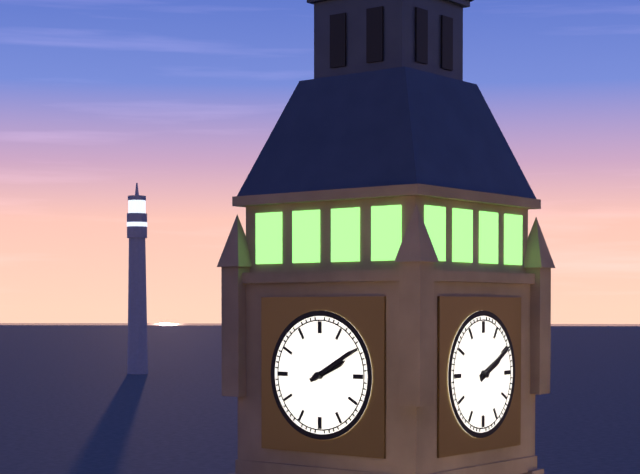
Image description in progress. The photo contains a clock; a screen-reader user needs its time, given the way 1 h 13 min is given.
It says 2 h 10 min
